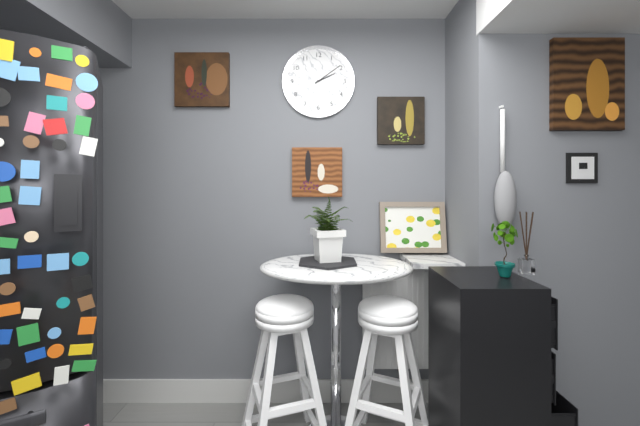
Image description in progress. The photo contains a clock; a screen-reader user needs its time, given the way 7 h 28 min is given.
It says 2 h 09 min
